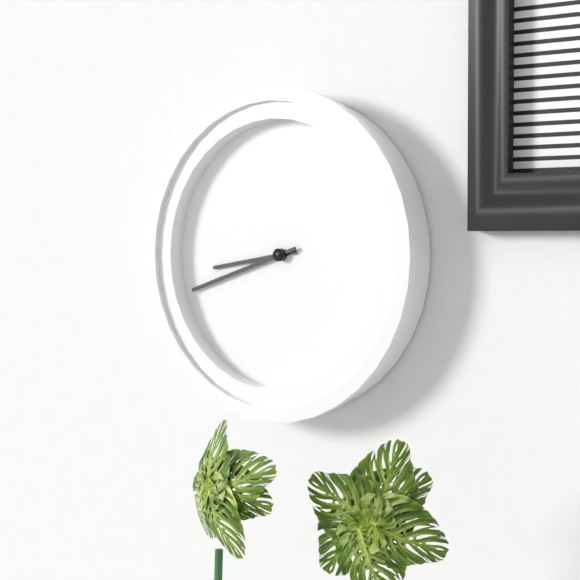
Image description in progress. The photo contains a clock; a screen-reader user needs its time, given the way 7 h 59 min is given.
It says 8 h 42 min
